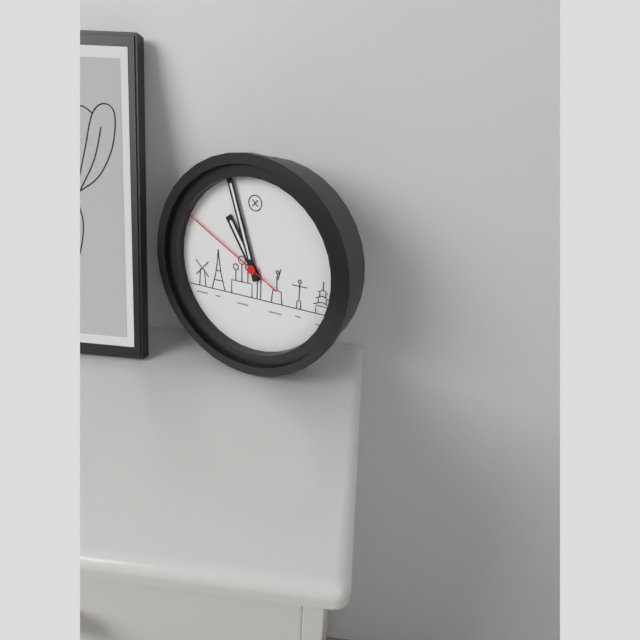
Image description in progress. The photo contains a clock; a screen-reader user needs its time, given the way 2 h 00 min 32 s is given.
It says 10 h 57 min 50 s
